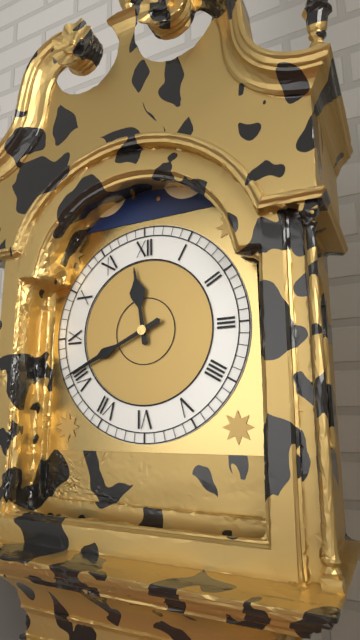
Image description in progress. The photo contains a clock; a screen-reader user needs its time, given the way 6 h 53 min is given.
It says 11 h 41 min
